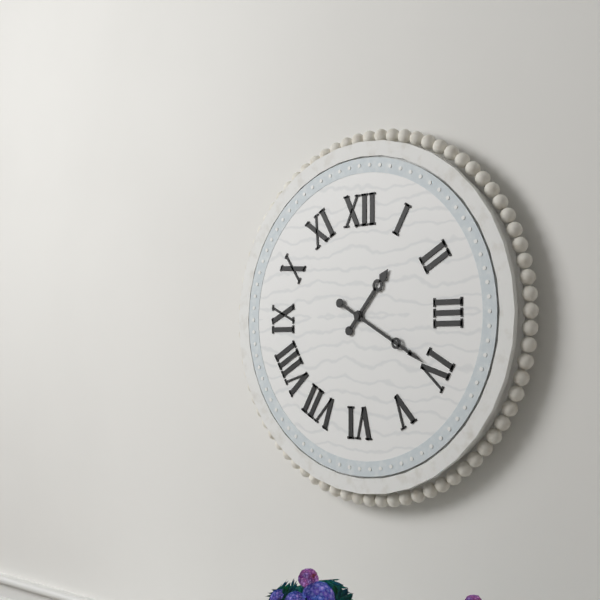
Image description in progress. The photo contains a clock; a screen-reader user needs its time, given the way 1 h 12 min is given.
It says 1 h 20 min
